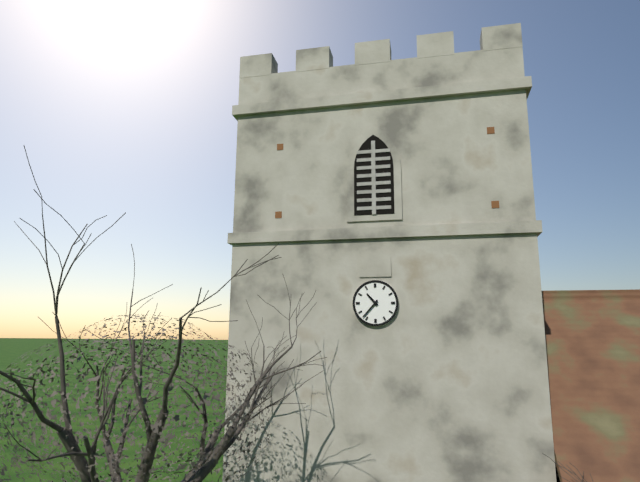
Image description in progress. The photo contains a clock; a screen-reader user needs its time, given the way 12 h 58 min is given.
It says 10 h 37 min
